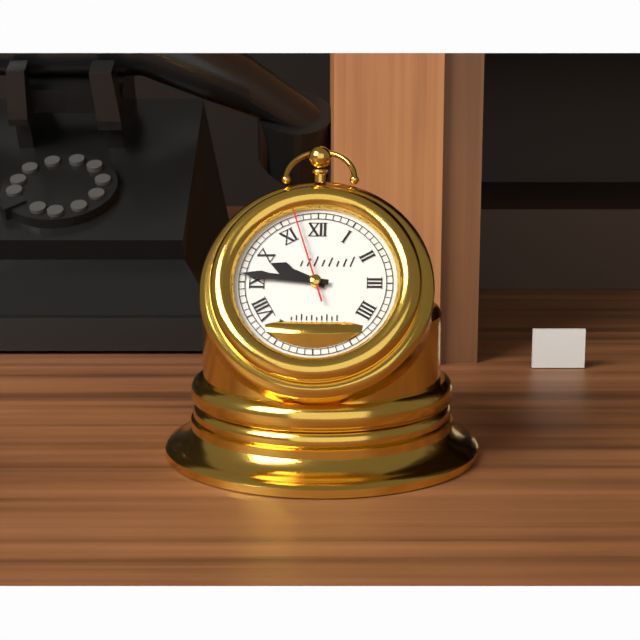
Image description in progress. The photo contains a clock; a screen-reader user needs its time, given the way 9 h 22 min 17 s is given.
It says 9 h 46 min 57 s
